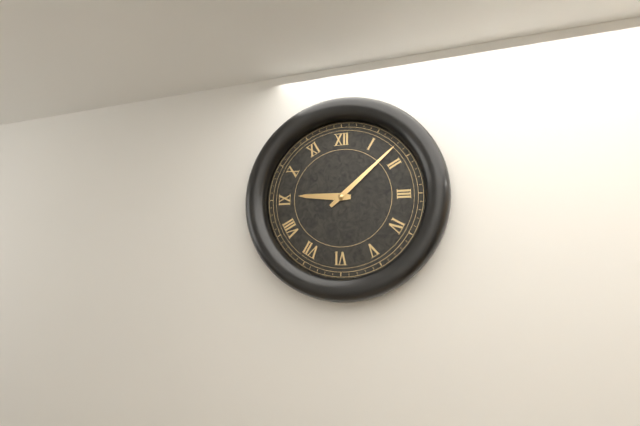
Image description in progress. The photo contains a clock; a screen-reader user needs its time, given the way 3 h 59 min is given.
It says 9 h 08 min
